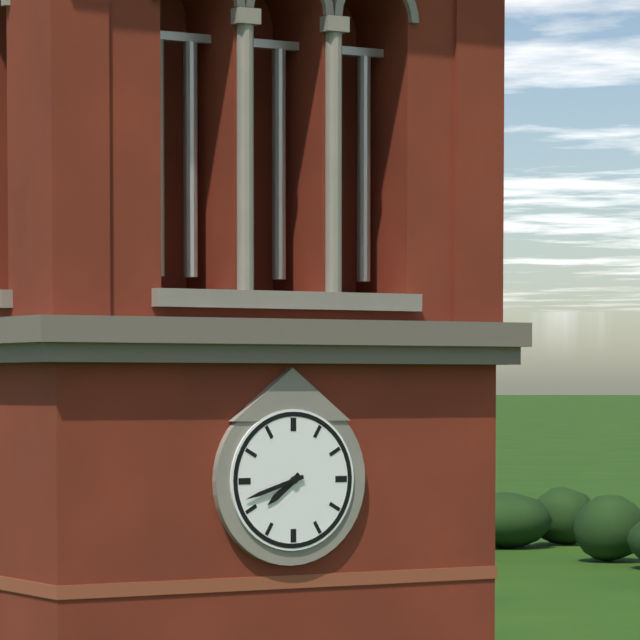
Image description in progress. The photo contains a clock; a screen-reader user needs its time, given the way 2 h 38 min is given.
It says 7 h 42 min
